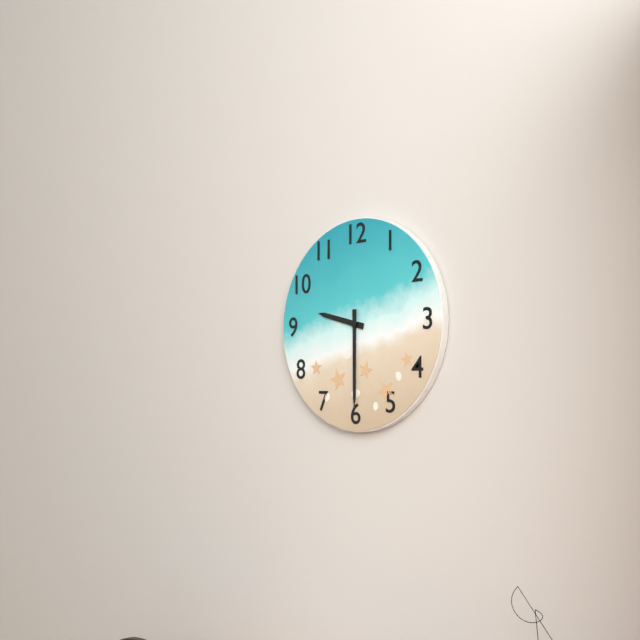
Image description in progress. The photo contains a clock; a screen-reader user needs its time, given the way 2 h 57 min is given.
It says 9 h 30 min
